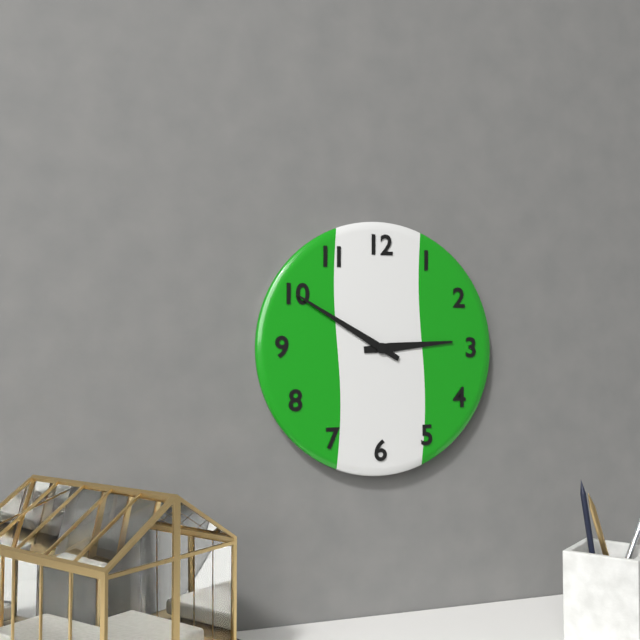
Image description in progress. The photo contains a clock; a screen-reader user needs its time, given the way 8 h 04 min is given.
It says 2 h 50 min
